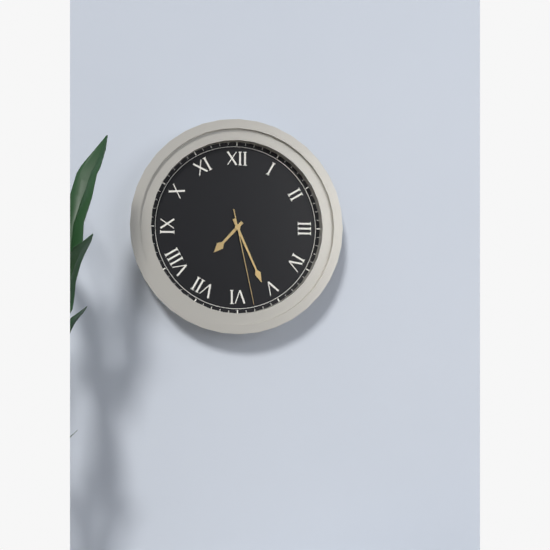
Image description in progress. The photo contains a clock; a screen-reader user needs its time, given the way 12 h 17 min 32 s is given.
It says 7 h 26 min 28 s
